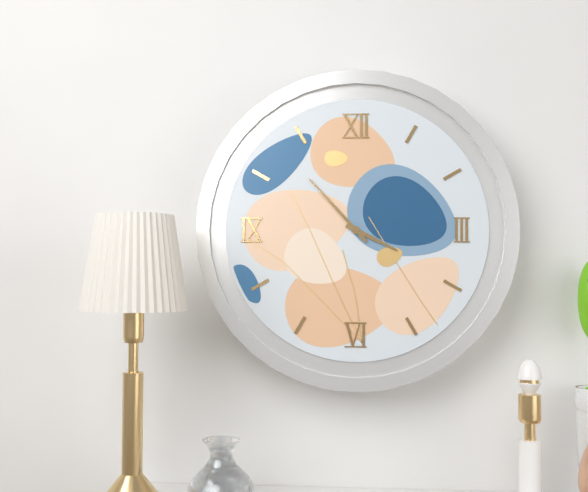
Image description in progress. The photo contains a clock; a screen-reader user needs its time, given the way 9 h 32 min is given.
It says 3 h 53 min
